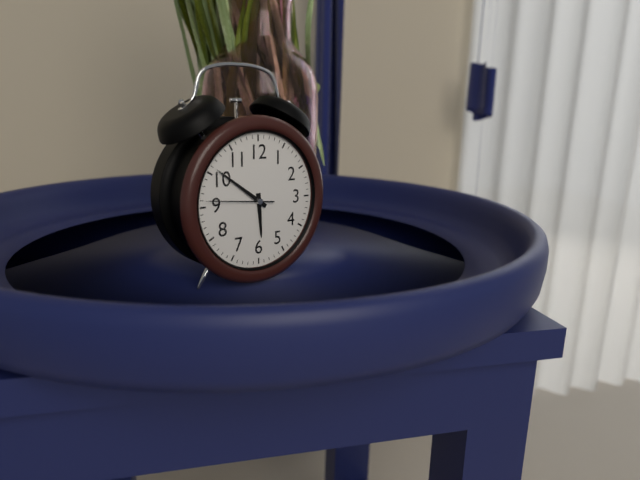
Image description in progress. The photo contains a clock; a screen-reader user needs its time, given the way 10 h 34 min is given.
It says 5 h 51 min
